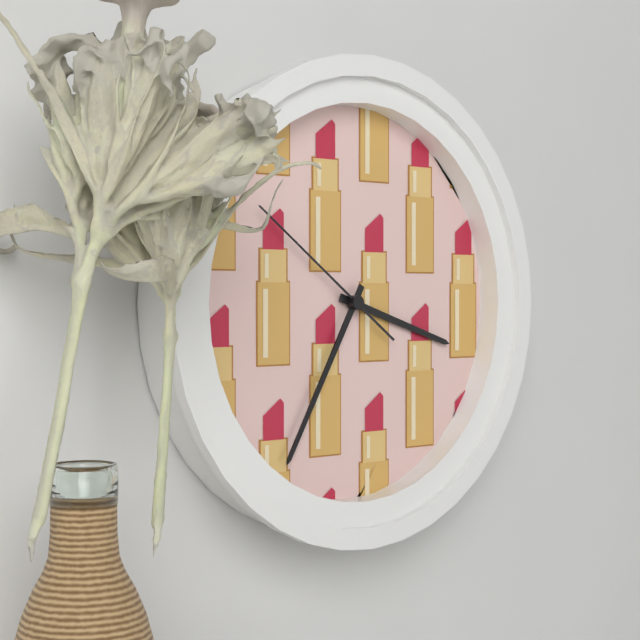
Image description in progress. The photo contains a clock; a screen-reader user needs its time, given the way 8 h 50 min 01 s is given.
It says 3 h 35 min 51 s
